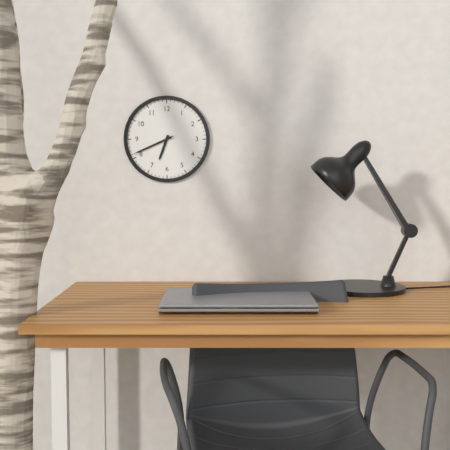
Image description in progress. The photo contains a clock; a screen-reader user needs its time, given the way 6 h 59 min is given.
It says 6 h 41 min
